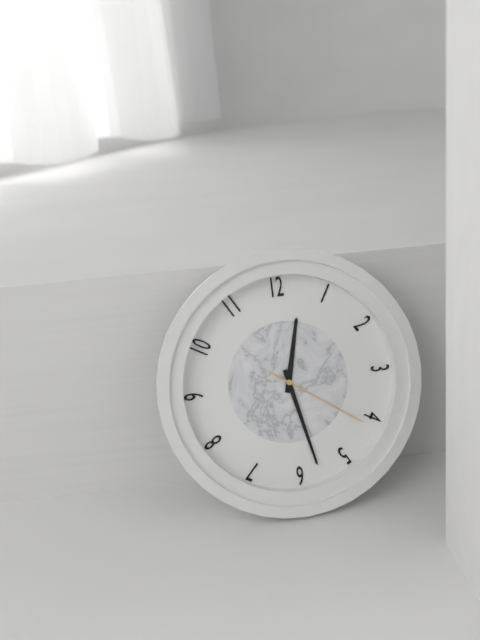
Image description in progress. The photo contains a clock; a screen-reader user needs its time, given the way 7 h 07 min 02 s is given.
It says 12 h 28 min 21 s
